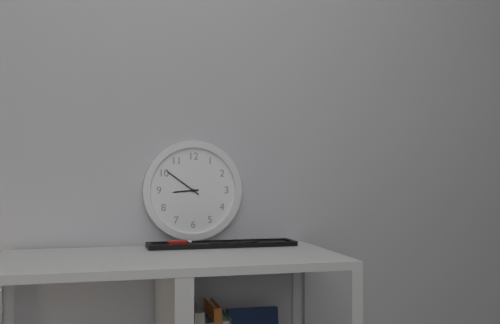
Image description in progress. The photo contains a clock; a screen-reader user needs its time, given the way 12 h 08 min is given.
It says 8 h 51 min
